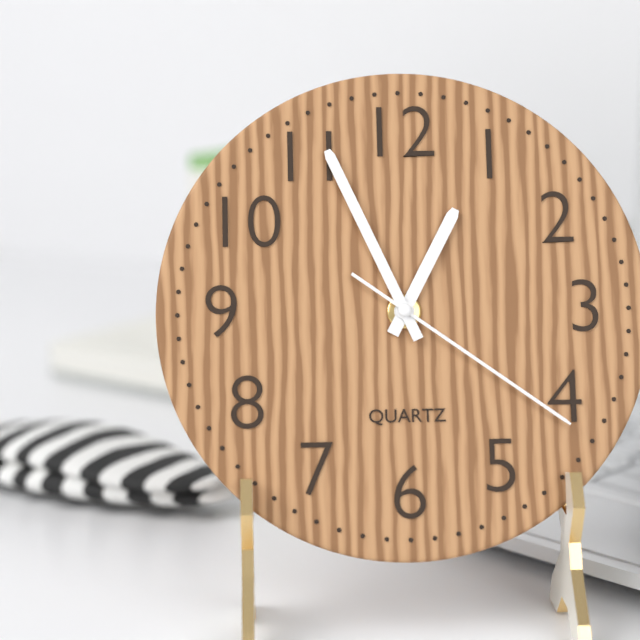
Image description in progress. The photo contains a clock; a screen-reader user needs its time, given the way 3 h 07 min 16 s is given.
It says 12 h 56 min 21 s
